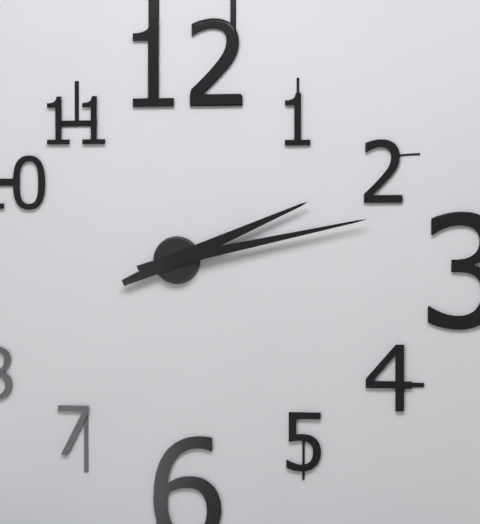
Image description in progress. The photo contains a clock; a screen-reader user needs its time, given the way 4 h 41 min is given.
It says 2 h 13 min
